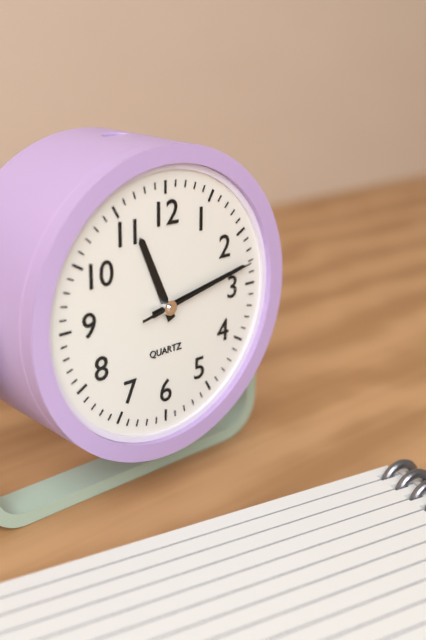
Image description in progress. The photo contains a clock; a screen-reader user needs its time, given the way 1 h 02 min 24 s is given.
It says 11 h 13 min 13 s
